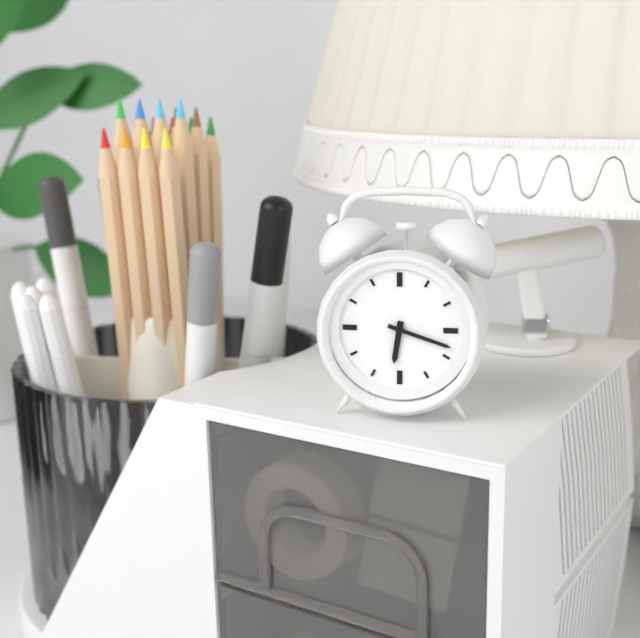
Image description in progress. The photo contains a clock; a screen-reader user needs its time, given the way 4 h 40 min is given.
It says 6 h 18 min
